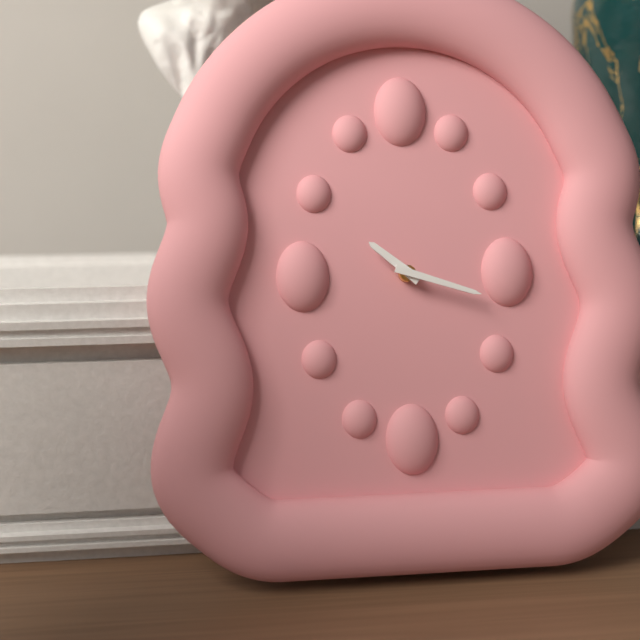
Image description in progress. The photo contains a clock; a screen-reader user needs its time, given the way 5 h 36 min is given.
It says 10 h 18 min
